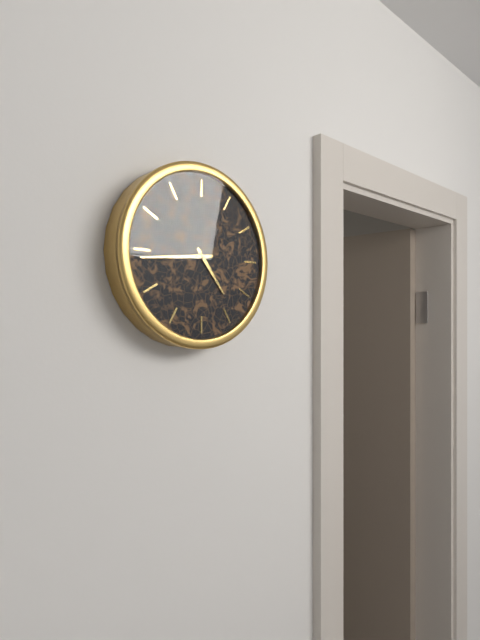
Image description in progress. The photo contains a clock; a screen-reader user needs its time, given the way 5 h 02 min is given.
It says 4 h 44 min
